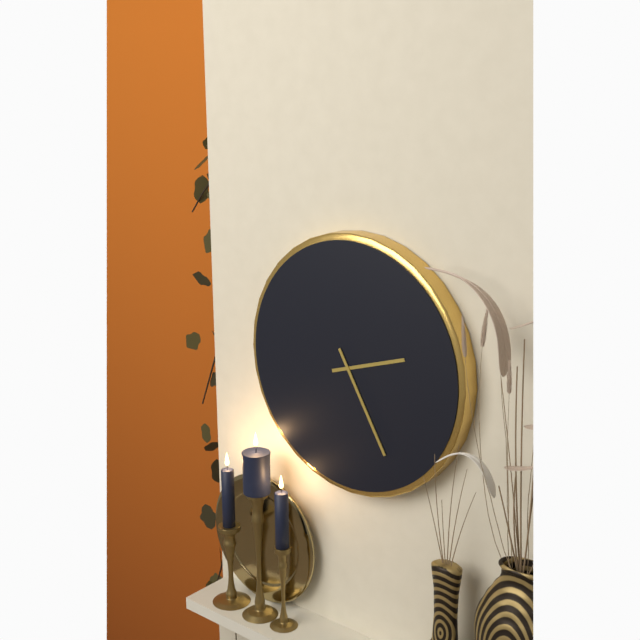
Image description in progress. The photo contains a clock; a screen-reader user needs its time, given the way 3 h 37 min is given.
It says 2 h 25 min
